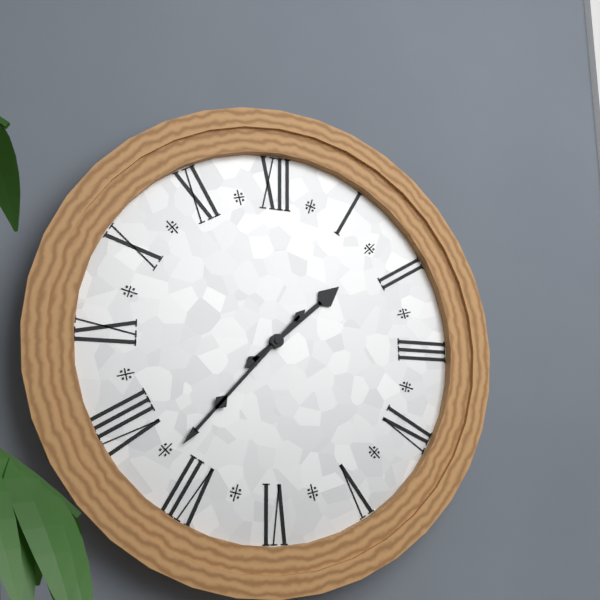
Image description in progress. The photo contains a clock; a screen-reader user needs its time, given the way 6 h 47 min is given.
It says 1 h 37 min
